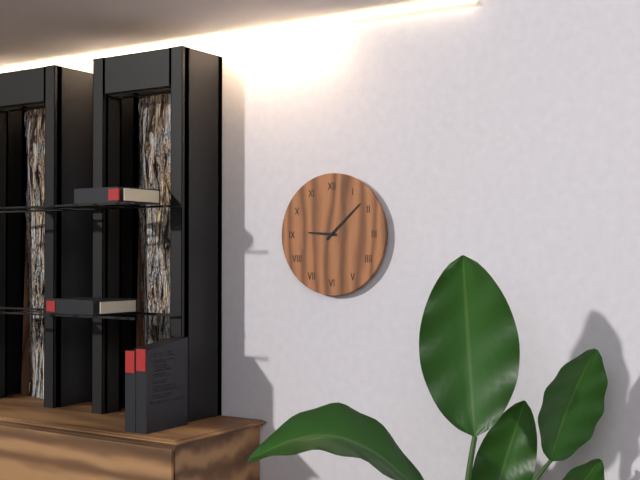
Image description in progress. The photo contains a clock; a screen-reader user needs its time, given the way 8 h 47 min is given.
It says 9 h 08 min
